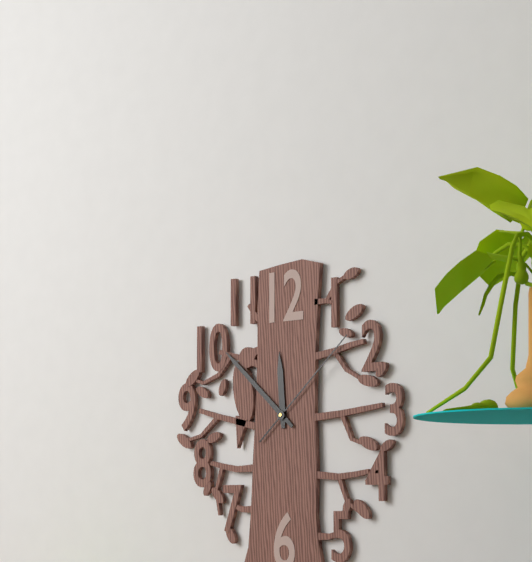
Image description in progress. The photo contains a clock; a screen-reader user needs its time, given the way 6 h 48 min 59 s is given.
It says 11 h 52 min 08 s
